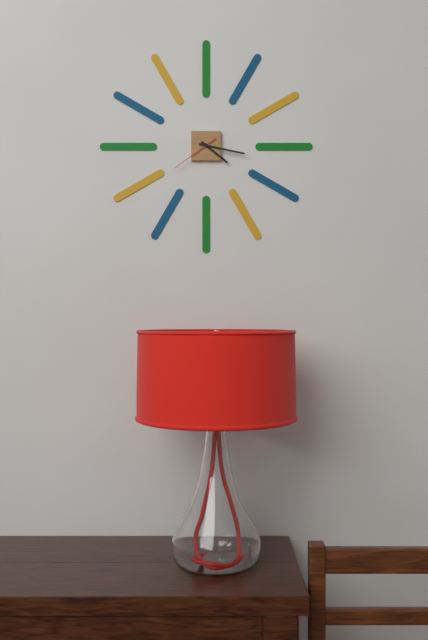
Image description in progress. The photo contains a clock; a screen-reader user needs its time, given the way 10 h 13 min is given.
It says 4 h 17 min
